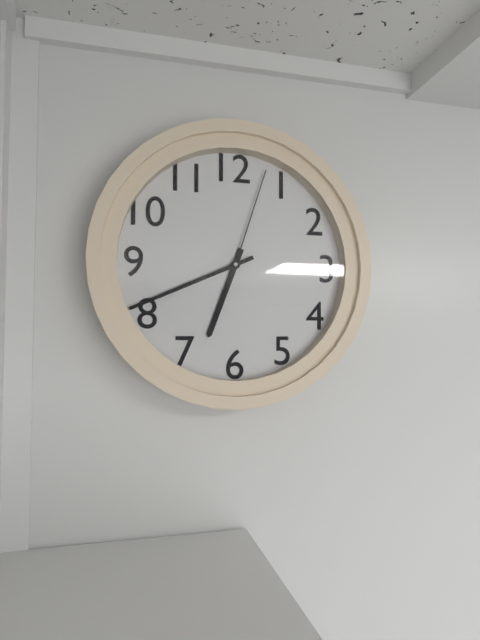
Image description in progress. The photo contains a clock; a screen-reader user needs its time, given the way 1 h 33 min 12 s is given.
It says 6 h 41 min 03 s
